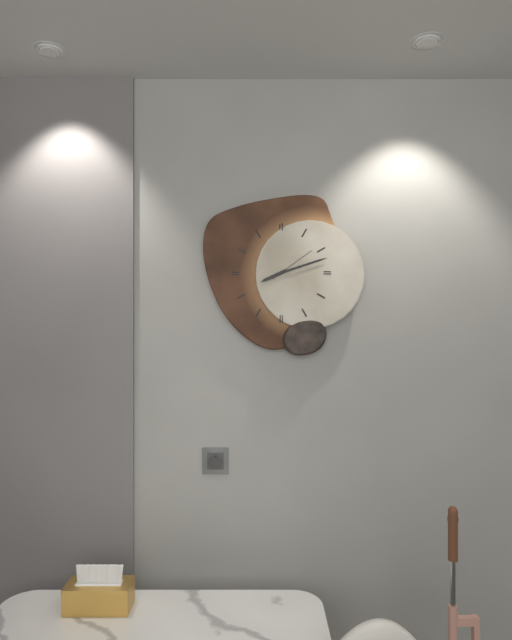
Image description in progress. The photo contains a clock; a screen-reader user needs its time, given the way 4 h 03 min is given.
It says 8 h 12 min
